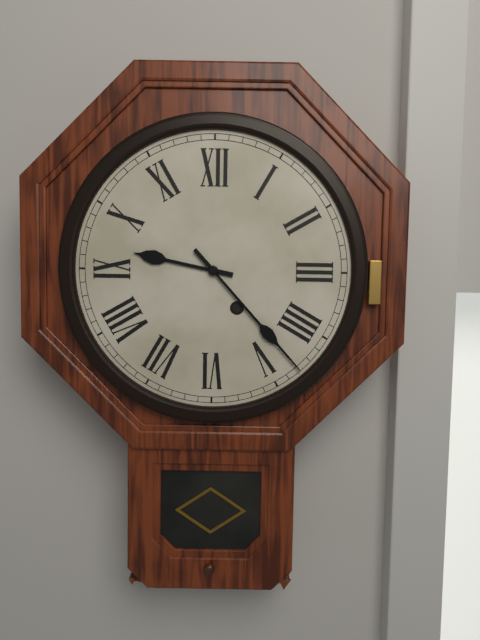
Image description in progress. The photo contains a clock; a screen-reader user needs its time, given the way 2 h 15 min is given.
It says 9 h 23 min
